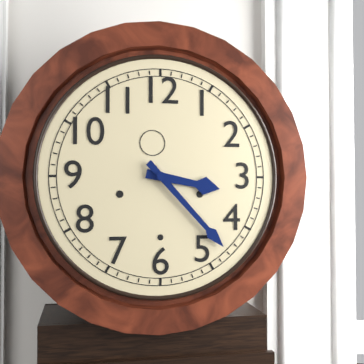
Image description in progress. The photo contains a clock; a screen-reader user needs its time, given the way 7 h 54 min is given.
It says 3 h 23 min
